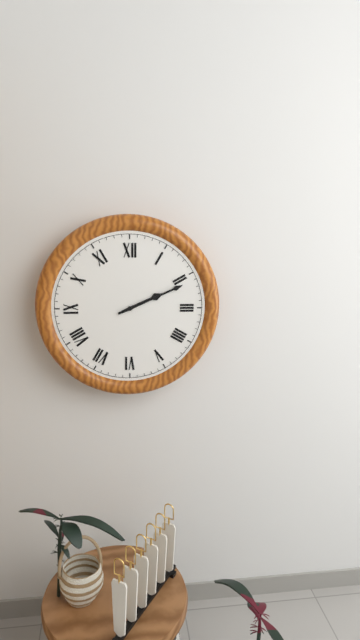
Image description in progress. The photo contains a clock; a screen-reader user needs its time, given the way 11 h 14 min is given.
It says 2 h 11 min
